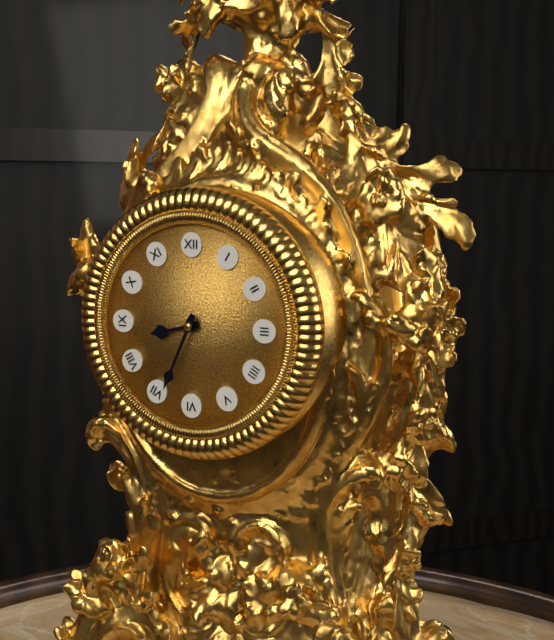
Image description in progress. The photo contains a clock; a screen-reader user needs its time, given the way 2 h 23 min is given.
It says 8 h 34 min
